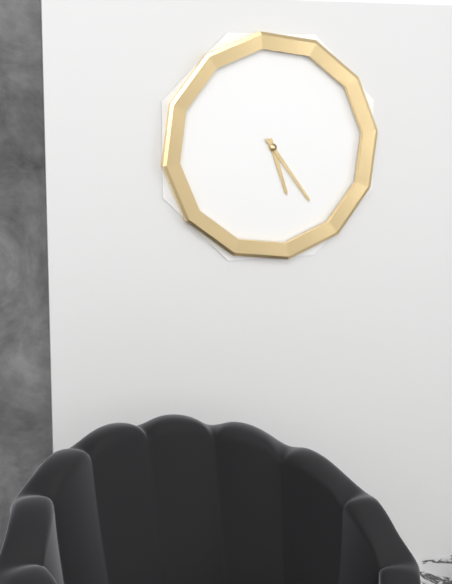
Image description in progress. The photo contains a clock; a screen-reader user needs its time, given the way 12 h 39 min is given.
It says 5 h 24 min
